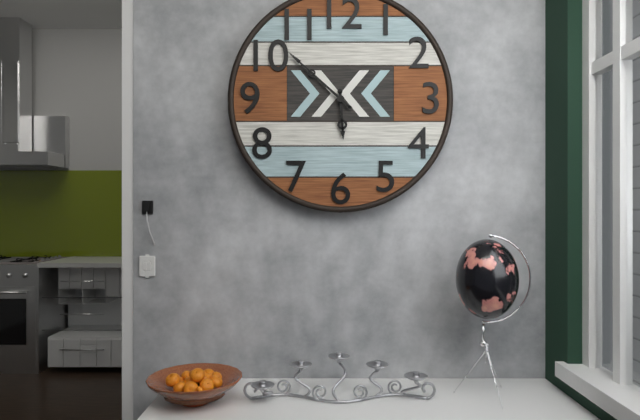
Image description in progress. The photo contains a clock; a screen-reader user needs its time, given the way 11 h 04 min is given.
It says 5 h 52 min
